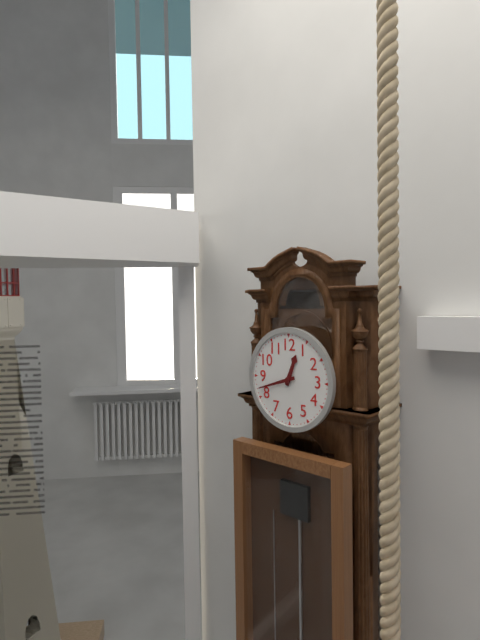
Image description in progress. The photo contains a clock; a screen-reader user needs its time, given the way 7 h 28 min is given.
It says 12 h 42 min
